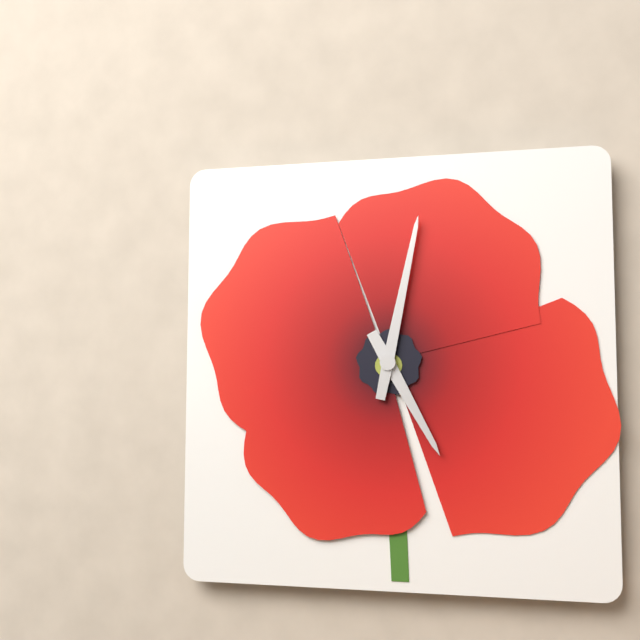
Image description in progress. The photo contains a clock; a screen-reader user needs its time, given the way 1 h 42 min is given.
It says 5 h 02 min
